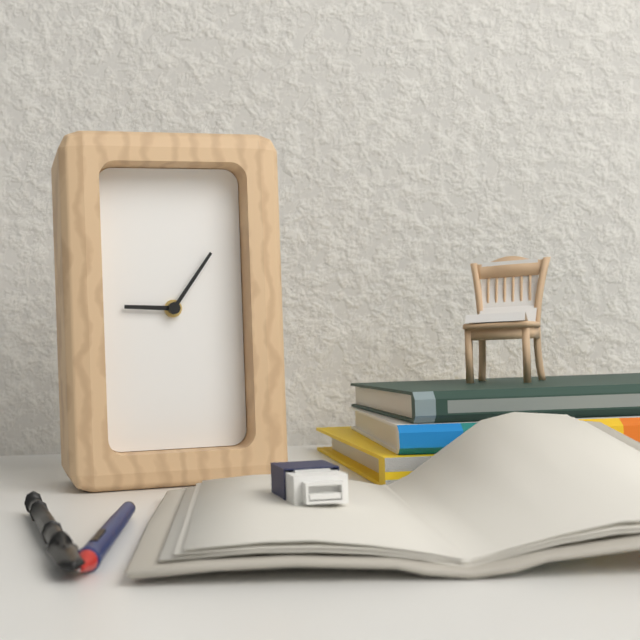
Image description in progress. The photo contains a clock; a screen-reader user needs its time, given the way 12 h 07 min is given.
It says 9 h 06 min
